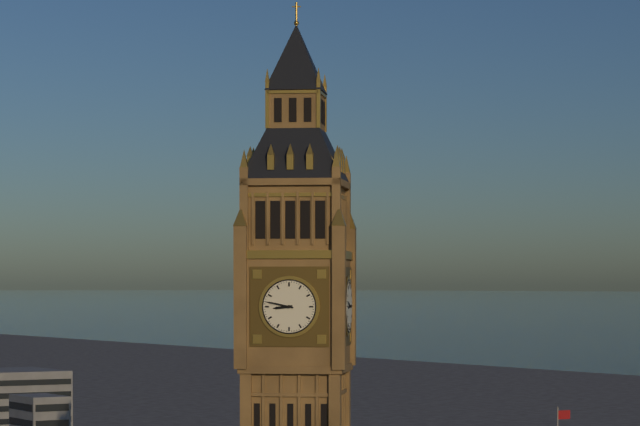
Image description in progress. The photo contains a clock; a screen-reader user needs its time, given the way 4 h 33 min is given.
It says 8 h 47 min
